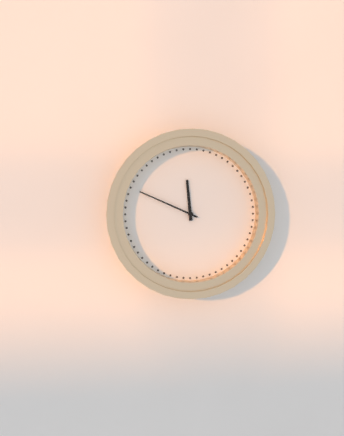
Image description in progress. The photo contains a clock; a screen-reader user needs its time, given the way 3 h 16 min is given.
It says 11 h 49 min
